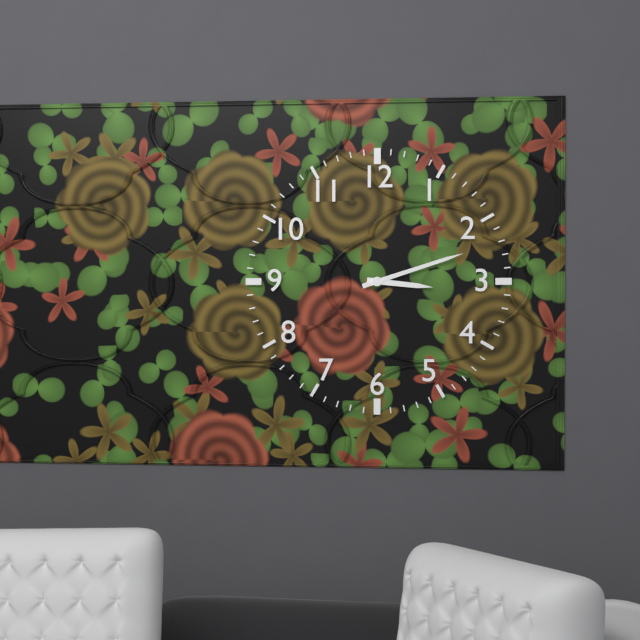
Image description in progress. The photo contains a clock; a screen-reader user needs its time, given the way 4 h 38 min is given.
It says 3 h 12 min
